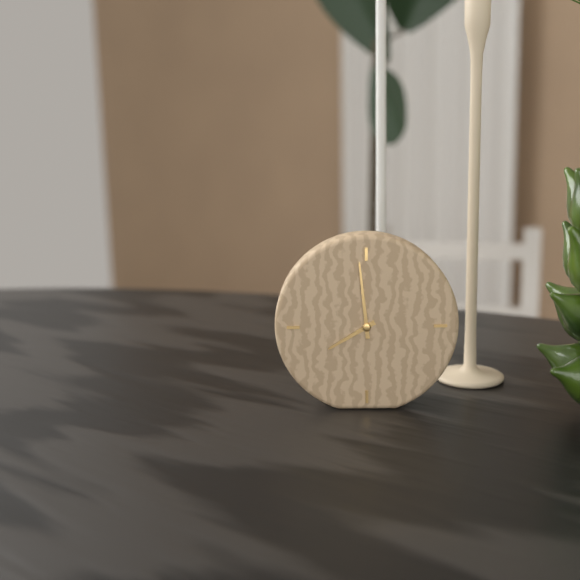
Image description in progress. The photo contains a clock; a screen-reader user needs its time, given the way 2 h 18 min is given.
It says 7 h 59 min
